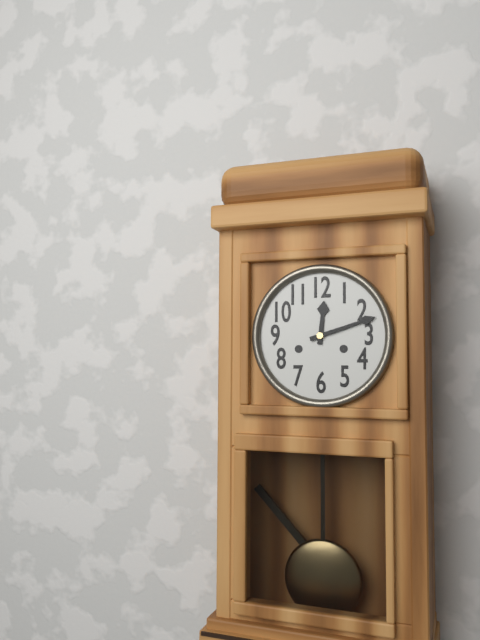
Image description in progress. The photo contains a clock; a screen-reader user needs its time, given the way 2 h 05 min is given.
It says 12 h 12 min
